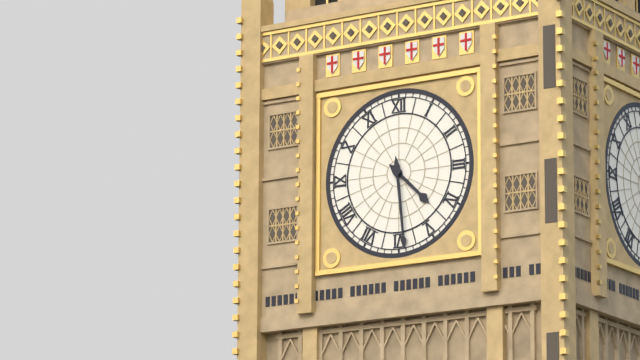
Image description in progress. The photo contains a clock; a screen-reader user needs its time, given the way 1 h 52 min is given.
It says 4 h 29 min
